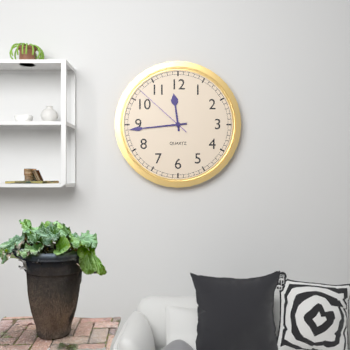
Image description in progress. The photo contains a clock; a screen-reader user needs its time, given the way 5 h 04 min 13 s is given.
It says 11 h 44 min 52 s
